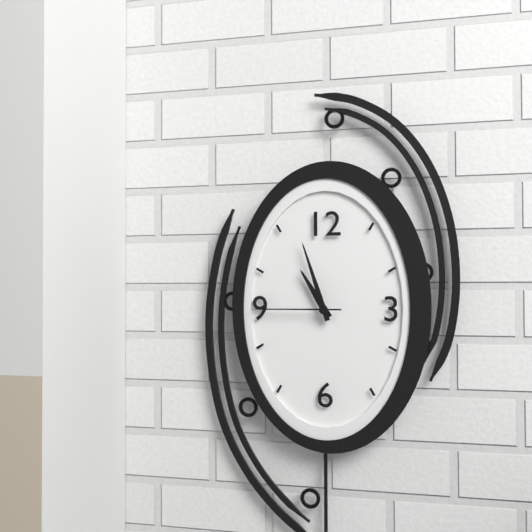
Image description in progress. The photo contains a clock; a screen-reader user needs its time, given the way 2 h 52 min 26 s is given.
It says 10 h 57 min 45 s
